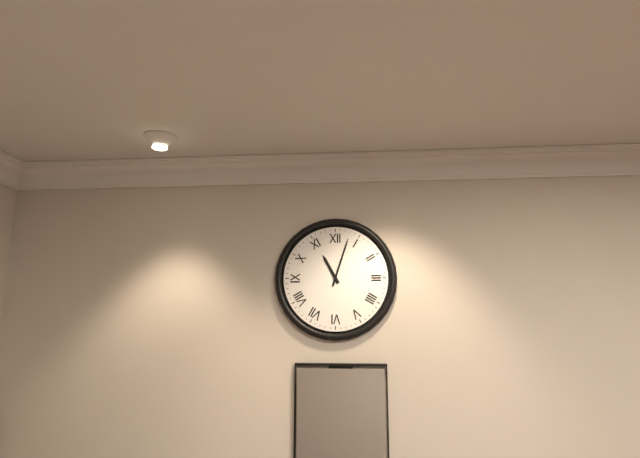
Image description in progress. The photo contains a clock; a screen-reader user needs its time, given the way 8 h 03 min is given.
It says 11 h 03 min
